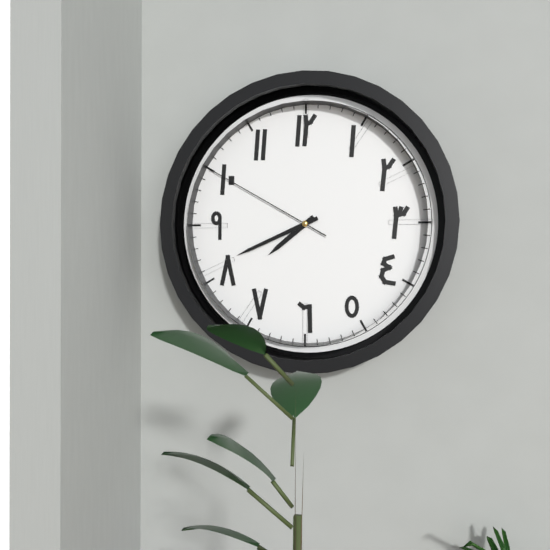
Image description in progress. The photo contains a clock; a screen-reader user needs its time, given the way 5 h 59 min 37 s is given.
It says 7 h 41 min 50 s
